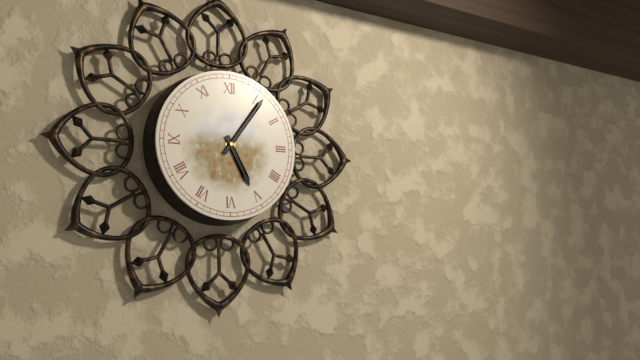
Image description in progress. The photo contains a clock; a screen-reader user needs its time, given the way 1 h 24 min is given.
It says 5 h 06 min
